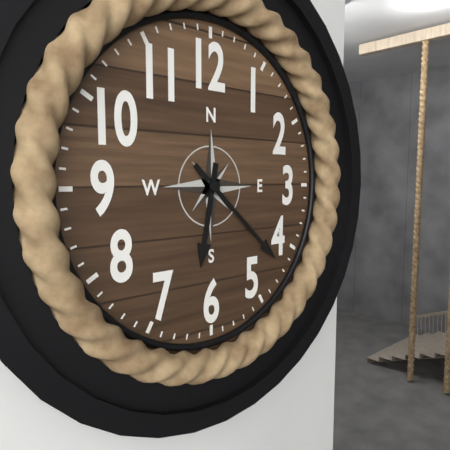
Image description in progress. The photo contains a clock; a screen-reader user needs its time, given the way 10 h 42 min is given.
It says 6 h 22 min
